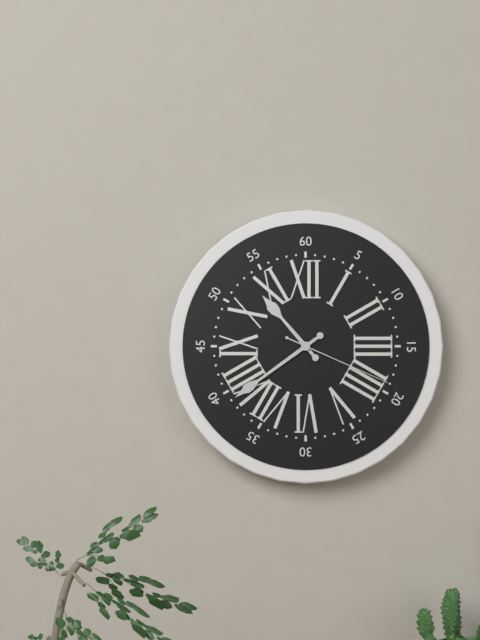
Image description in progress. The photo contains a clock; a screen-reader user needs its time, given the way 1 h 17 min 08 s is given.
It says 10 h 39 min 19 s
